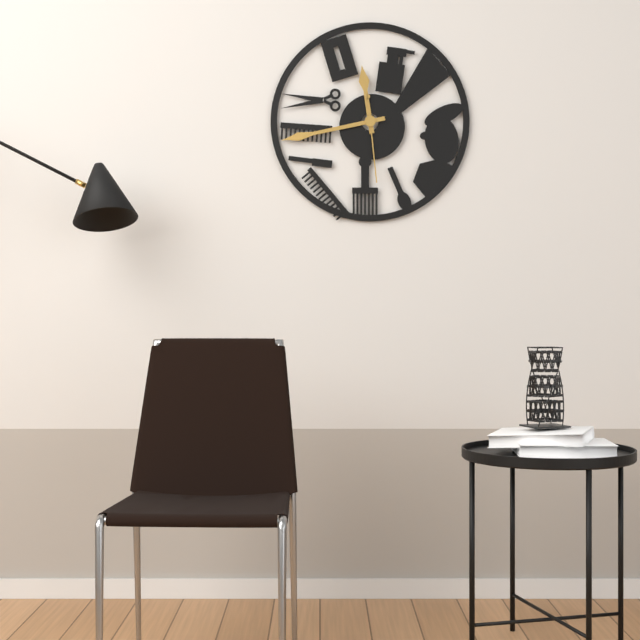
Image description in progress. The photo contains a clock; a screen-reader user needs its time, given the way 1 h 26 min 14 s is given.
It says 11 h 43 min 29 s
